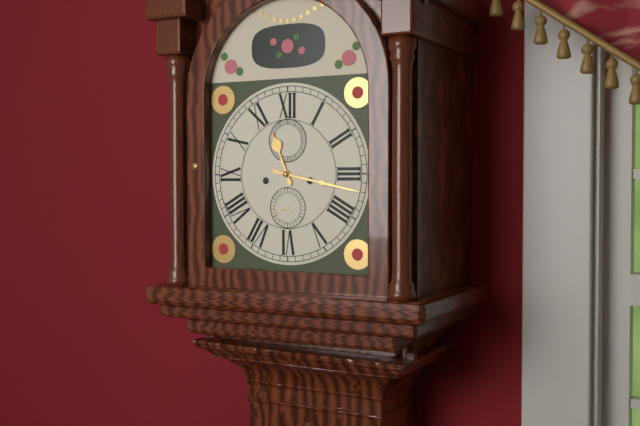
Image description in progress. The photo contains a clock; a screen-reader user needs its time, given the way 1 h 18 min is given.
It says 11 h 17 min
